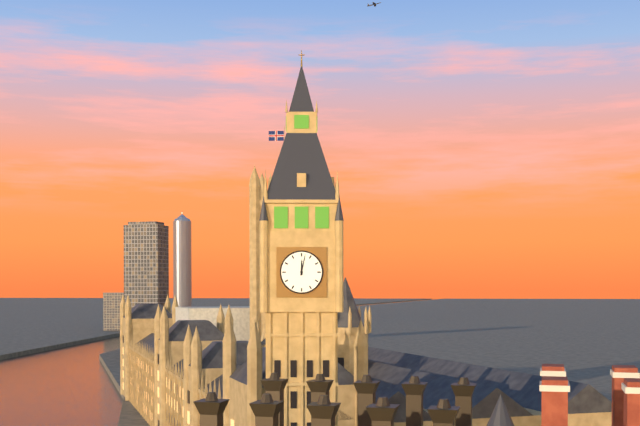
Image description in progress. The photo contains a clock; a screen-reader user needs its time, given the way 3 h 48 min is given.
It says 12 h 02 min
